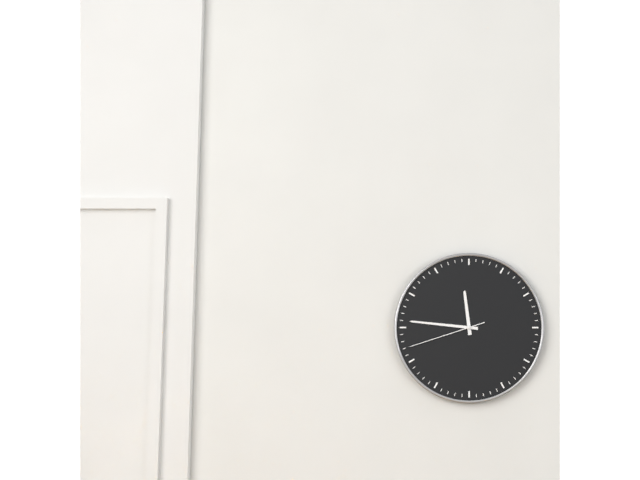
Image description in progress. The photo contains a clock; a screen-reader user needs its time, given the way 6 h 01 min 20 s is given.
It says 11 h 46 min 42 s
